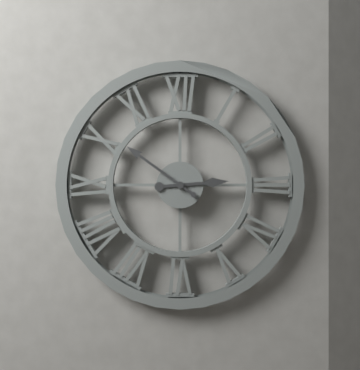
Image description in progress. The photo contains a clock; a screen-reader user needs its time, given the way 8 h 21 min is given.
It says 2 h 51 min
